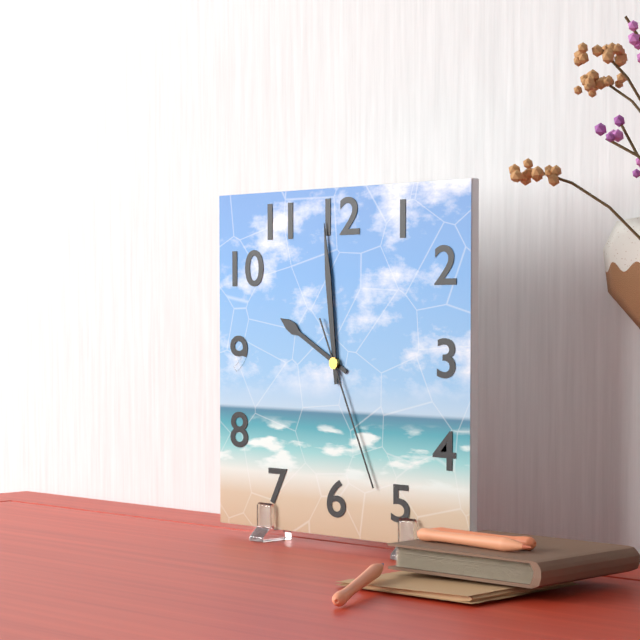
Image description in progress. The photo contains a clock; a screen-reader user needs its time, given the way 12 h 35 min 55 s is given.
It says 9 h 59 min 26 s
